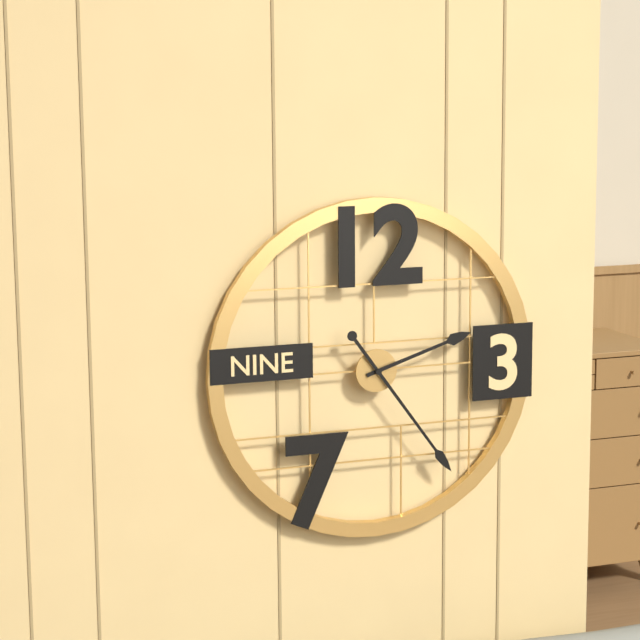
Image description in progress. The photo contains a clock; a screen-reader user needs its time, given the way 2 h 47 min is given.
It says 2 h 24 min
